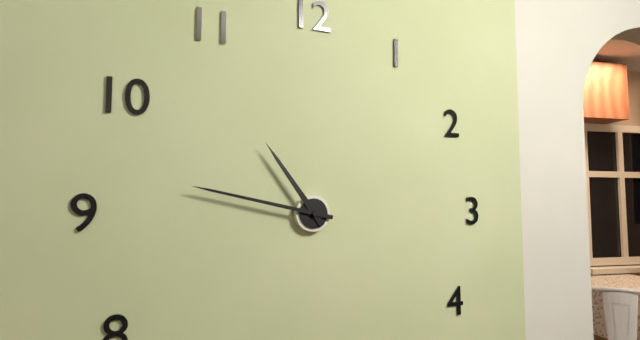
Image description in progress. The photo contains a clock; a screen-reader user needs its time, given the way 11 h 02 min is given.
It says 10 h 47 min
